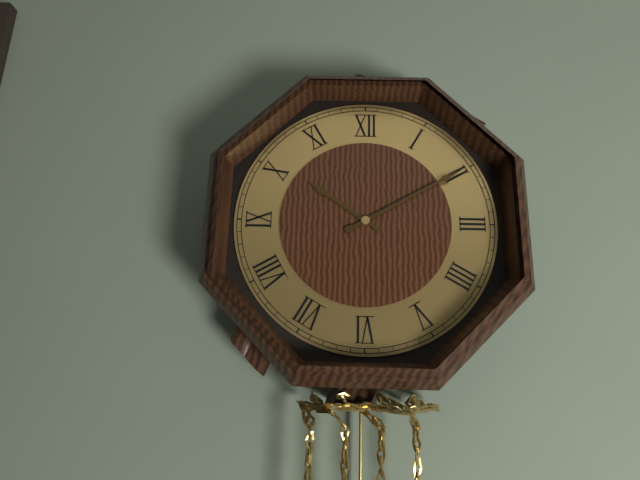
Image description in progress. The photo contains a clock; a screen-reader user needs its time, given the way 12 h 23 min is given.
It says 10 h 10 min
